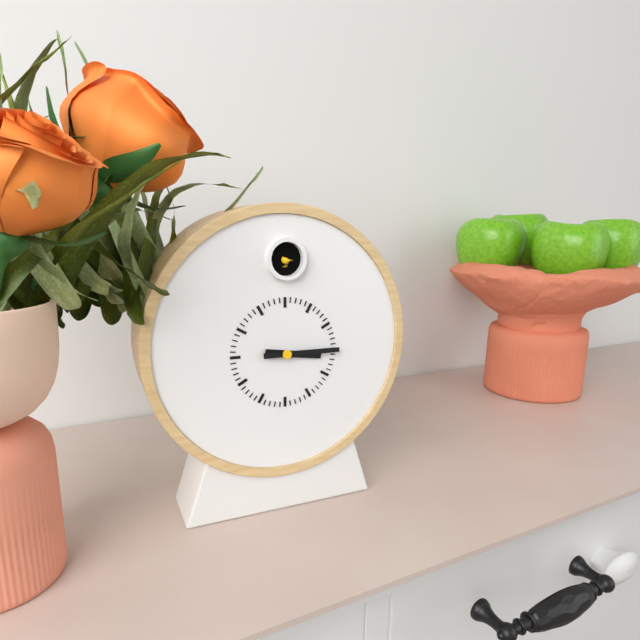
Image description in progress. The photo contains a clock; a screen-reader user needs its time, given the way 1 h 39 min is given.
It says 3 h 15 min
